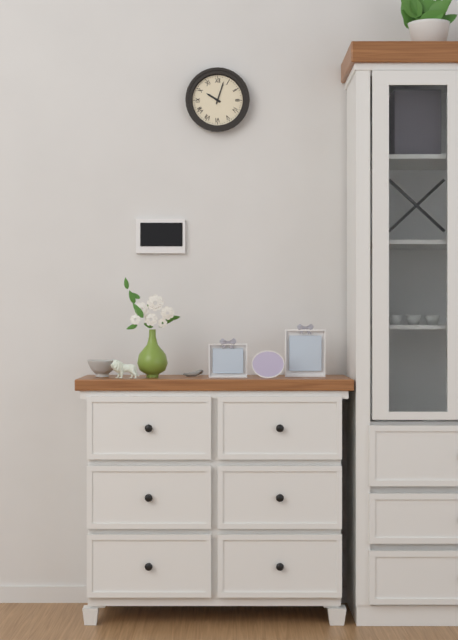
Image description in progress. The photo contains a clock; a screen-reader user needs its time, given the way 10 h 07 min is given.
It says 10 h 03 min
